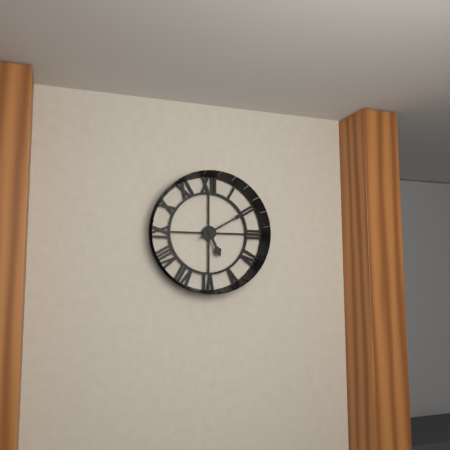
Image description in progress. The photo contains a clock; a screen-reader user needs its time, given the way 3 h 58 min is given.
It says 5 h 10 min
